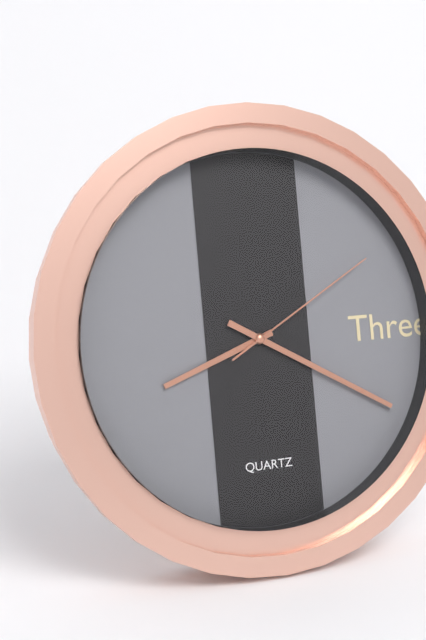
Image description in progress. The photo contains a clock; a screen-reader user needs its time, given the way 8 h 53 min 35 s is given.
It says 8 h 20 min 10 s
